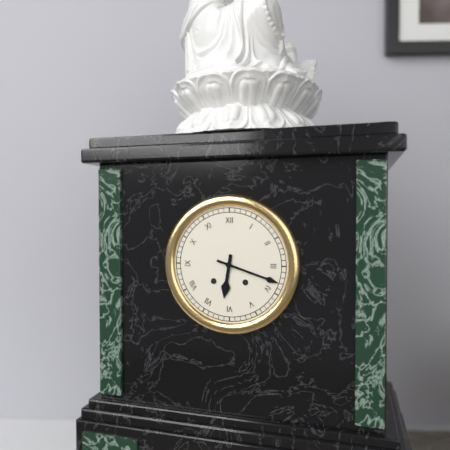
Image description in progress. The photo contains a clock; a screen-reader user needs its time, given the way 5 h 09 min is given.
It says 6 h 18 min
